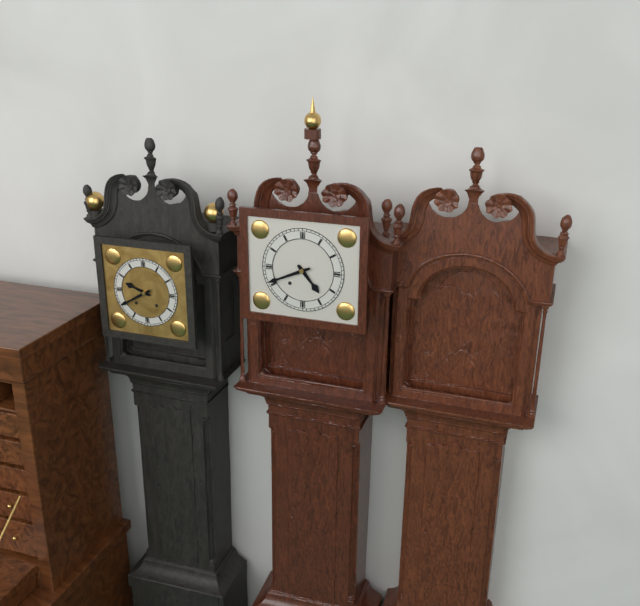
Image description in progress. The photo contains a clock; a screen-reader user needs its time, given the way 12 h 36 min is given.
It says 4 h 41 min
